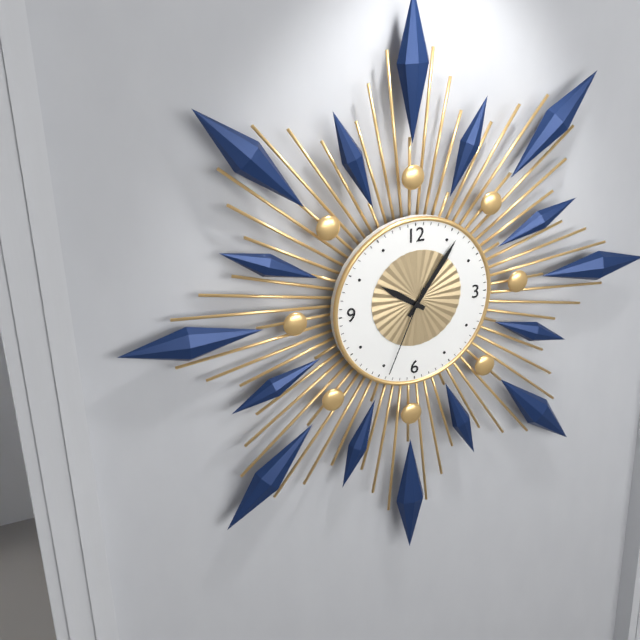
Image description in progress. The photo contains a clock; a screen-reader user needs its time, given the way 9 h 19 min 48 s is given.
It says 10 h 06 min 34 s
